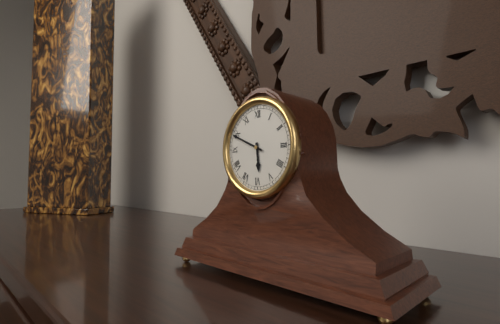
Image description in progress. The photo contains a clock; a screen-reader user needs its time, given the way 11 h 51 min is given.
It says 5 h 49 min
